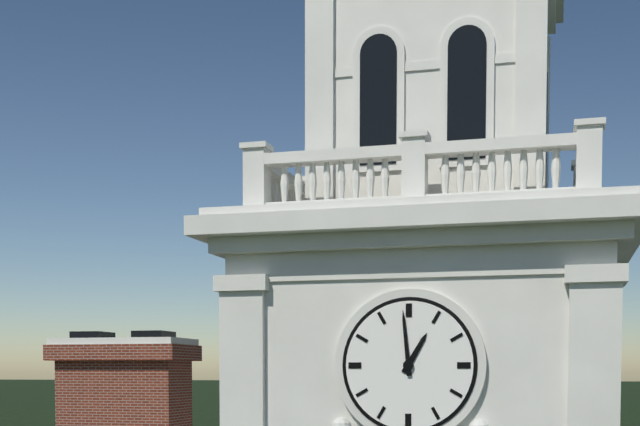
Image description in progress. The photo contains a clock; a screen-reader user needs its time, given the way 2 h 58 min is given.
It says 12 h 59 min
